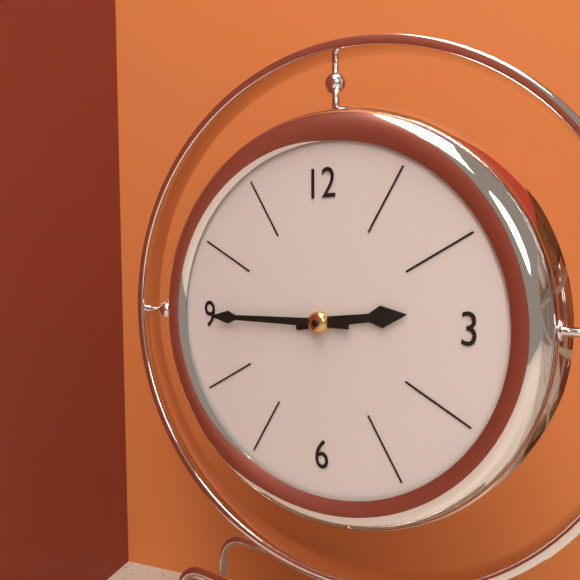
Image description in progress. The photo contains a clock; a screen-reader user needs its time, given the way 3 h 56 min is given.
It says 2 h 45 min
